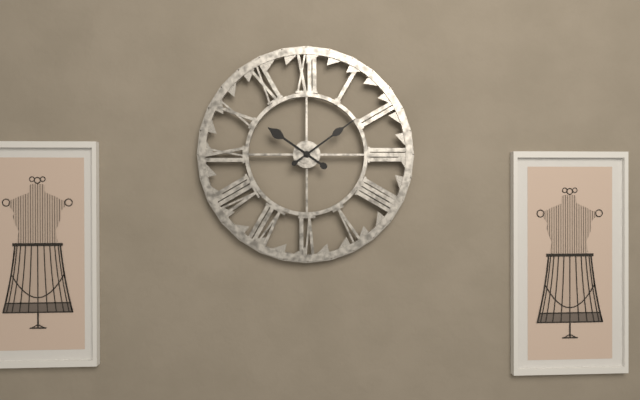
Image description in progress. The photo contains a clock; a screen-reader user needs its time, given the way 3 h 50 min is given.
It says 10 h 09 min
